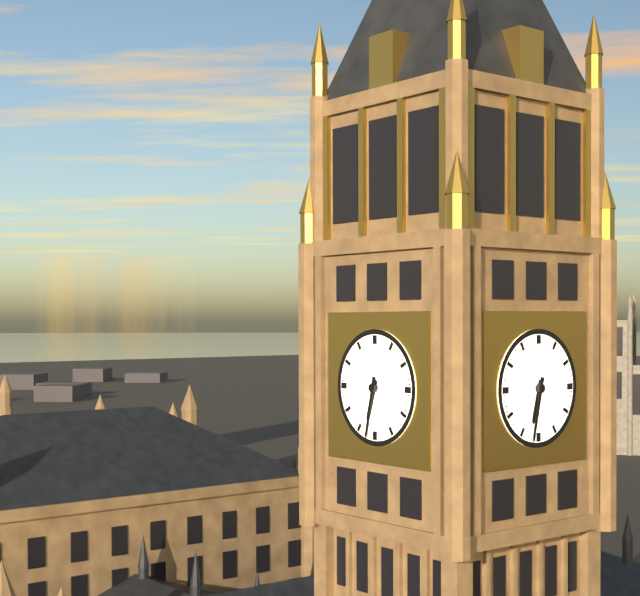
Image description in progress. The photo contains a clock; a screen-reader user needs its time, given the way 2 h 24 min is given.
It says 6 h 32 min
